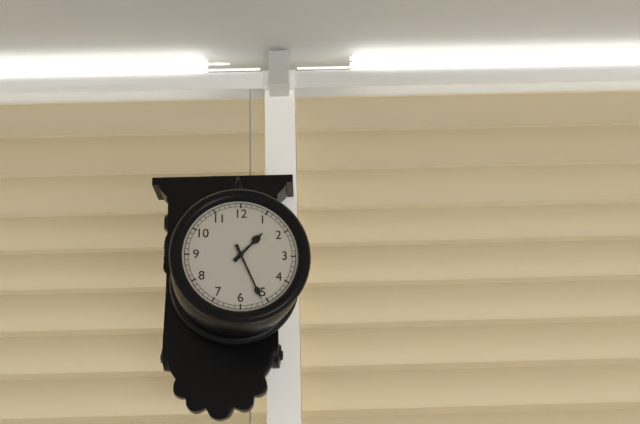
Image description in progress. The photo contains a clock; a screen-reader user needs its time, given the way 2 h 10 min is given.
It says 1 h 26 min
